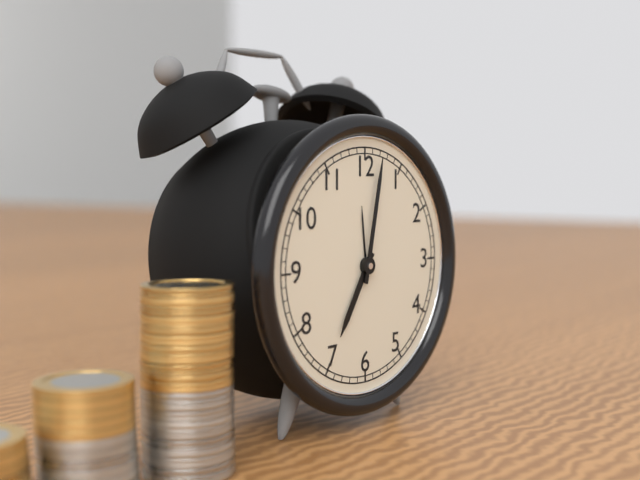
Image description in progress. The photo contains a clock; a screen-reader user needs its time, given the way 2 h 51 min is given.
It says 7 h 02 min
